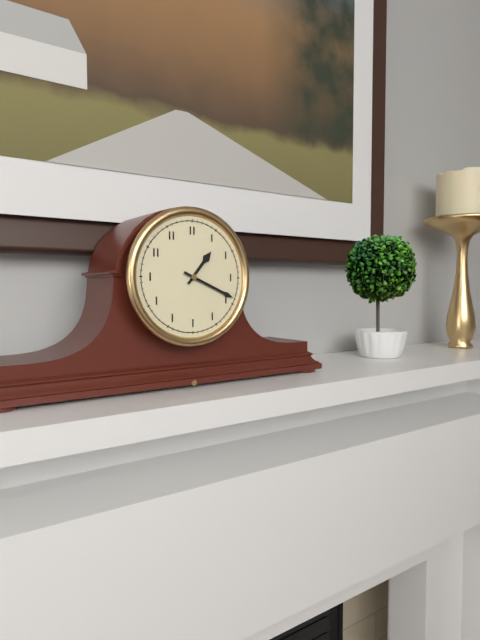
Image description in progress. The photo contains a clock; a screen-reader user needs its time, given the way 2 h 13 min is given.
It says 1 h 19 min
